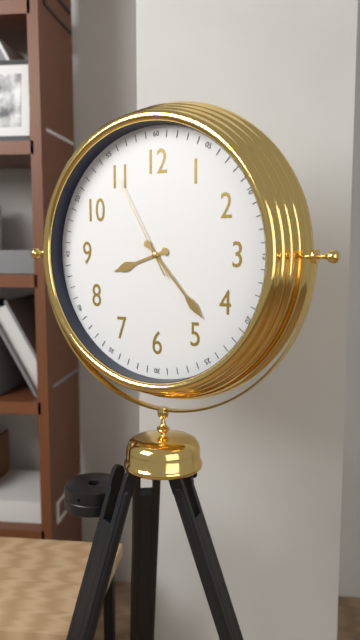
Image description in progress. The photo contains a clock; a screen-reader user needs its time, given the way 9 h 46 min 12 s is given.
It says 8 h 23 min 55 s
